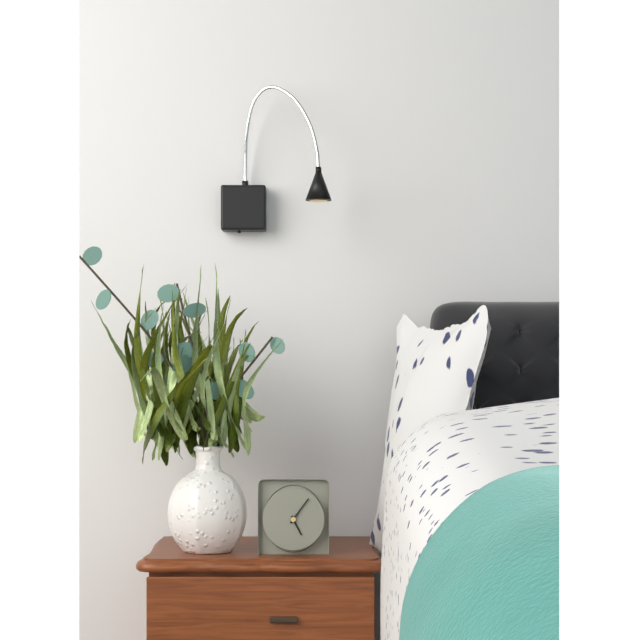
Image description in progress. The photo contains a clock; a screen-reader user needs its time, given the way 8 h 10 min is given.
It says 5 h 06 min
